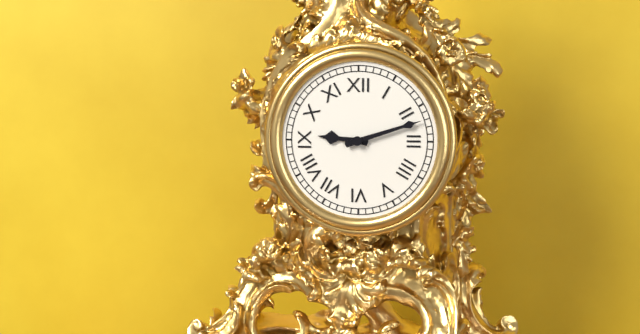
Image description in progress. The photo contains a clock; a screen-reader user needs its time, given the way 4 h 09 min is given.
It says 9 h 12 min
